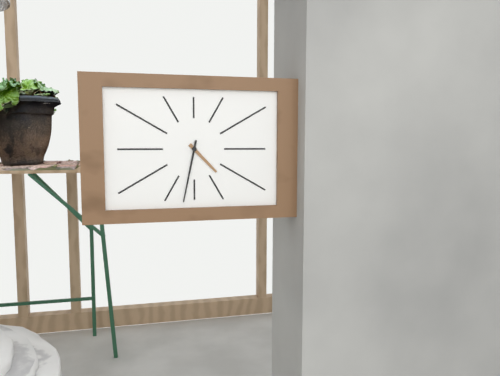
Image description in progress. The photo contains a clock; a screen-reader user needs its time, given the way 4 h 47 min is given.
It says 4 h 32 min
